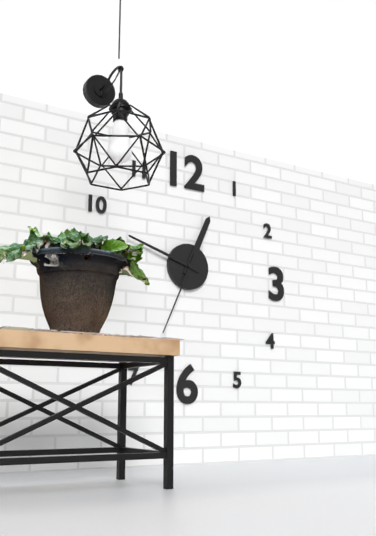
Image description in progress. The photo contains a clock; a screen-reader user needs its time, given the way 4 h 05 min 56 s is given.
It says 12 h 48 min 34 s
